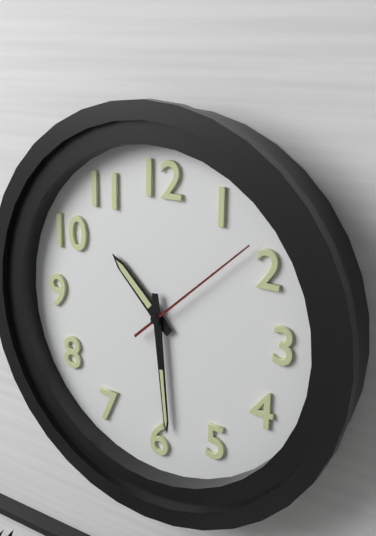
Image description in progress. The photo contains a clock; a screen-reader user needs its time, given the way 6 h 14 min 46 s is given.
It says 10 h 29 min 08 s
